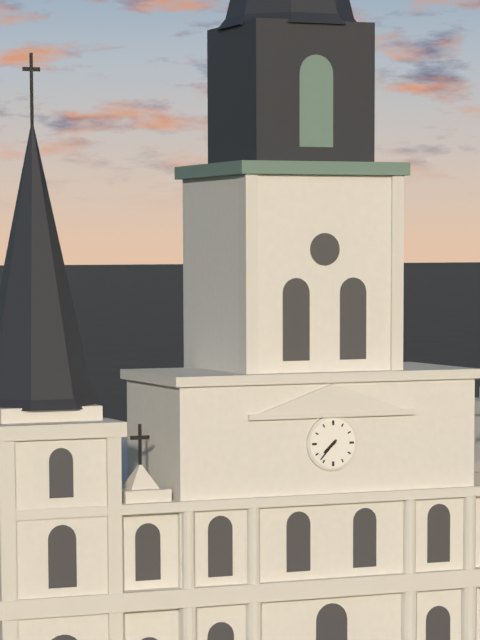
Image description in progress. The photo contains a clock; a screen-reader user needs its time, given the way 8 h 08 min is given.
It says 7 h 37 min
